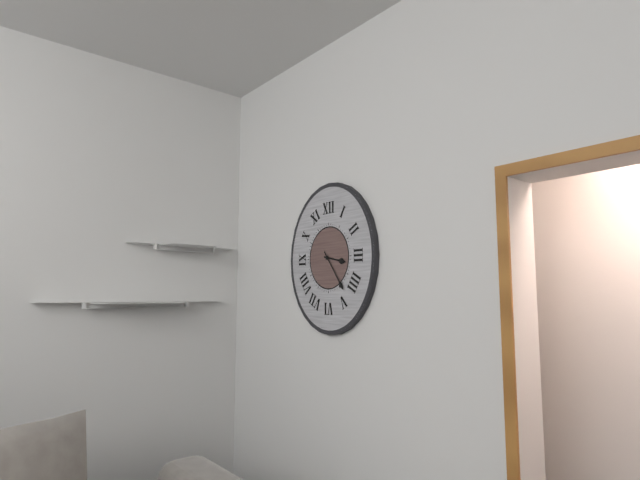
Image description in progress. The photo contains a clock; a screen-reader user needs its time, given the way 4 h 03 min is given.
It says 3 h 24 min
